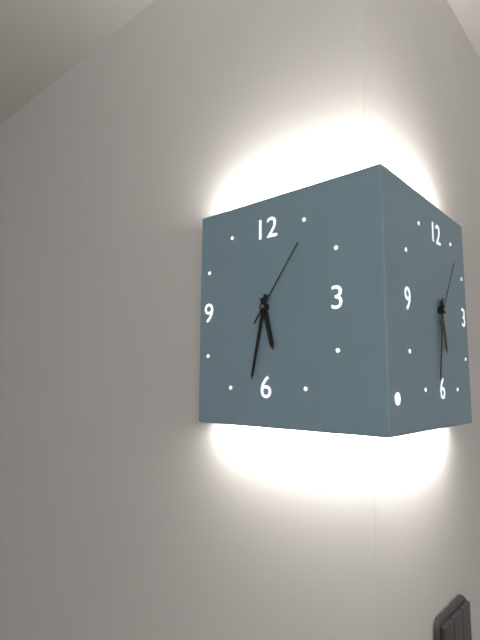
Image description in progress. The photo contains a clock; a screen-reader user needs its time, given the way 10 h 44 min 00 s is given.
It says 5 h 32 min 06 s
